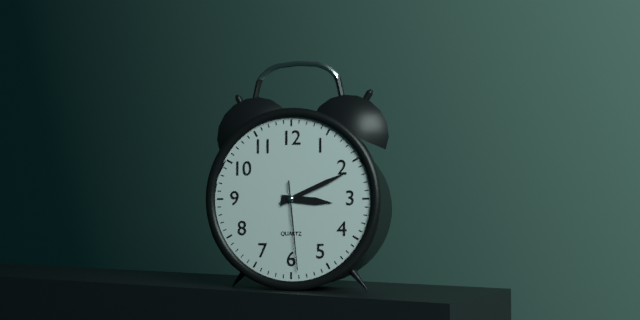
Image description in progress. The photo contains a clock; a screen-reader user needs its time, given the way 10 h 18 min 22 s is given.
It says 3 h 11 min 29 s
